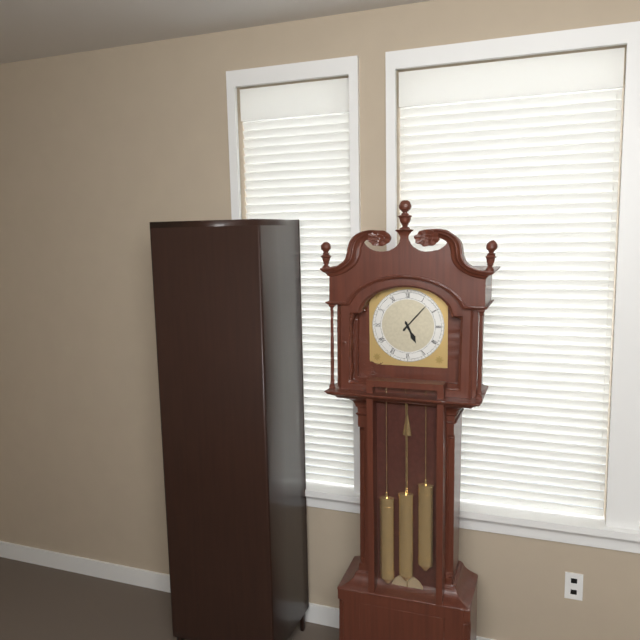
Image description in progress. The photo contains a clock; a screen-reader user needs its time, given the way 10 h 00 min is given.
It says 5 h 07 min
